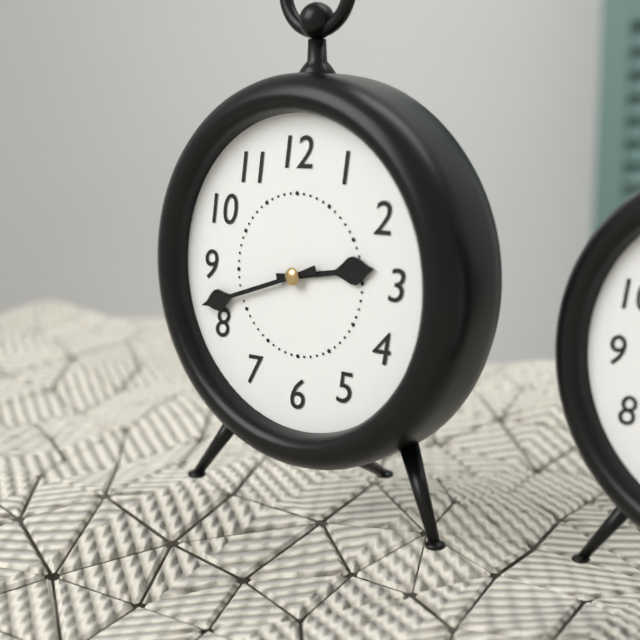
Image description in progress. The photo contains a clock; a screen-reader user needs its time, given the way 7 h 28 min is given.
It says 2 h 42 min
